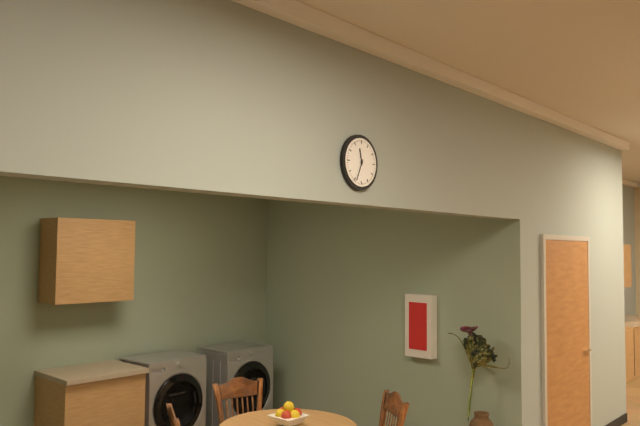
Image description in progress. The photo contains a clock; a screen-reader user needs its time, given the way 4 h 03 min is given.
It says 11 h 34 min
